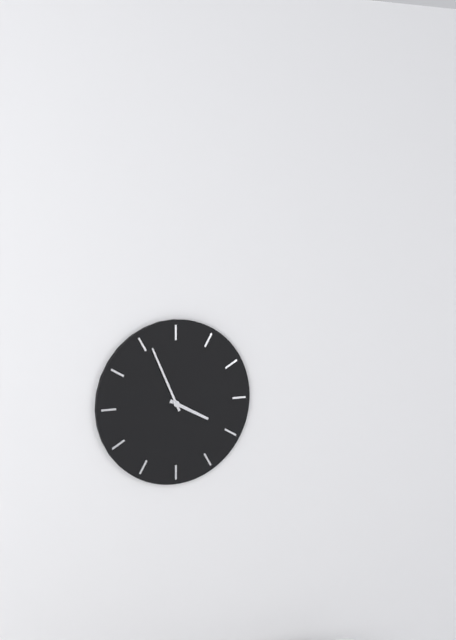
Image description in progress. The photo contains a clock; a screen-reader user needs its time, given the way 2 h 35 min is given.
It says 3 h 56 min
